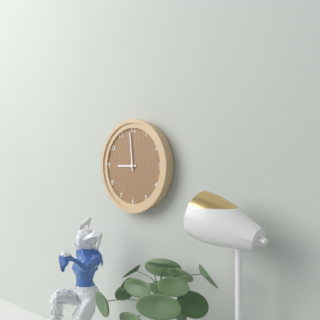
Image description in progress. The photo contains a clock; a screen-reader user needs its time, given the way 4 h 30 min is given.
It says 8 h 59 min
